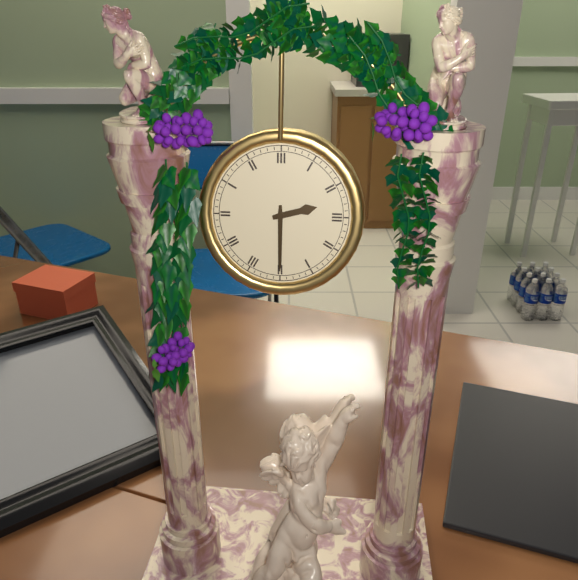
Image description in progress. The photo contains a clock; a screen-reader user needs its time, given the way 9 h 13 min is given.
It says 2 h 30 min
